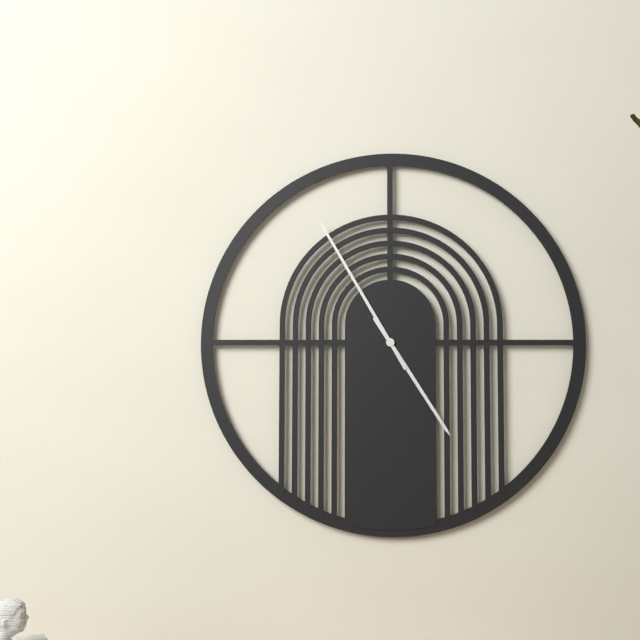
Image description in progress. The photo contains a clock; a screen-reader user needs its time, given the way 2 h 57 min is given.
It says 4 h 55 min
